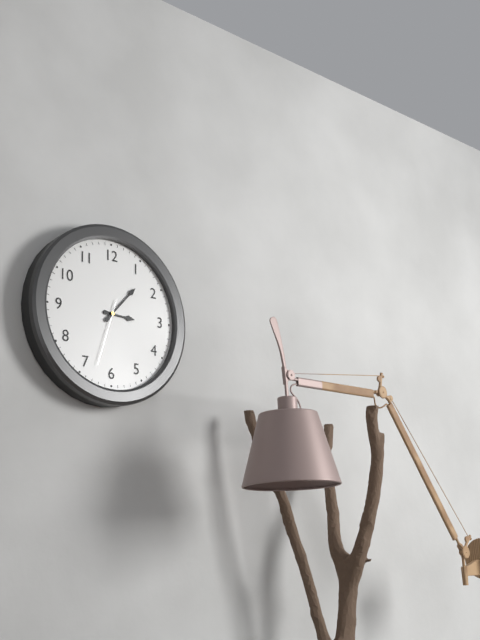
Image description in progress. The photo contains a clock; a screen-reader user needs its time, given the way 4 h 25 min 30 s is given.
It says 3 h 07 min 33 s
